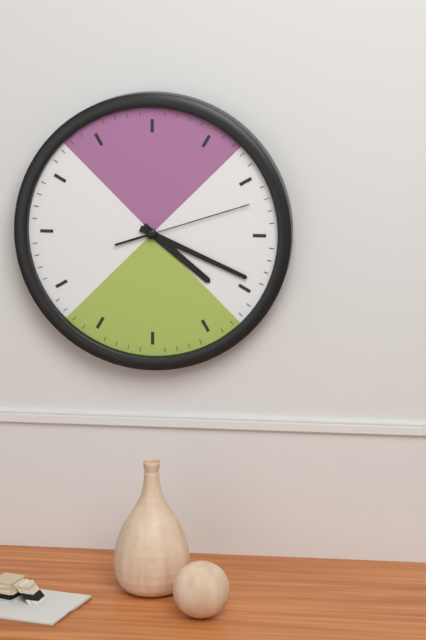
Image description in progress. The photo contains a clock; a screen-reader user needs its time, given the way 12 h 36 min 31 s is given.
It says 4 h 19 min 12 s
